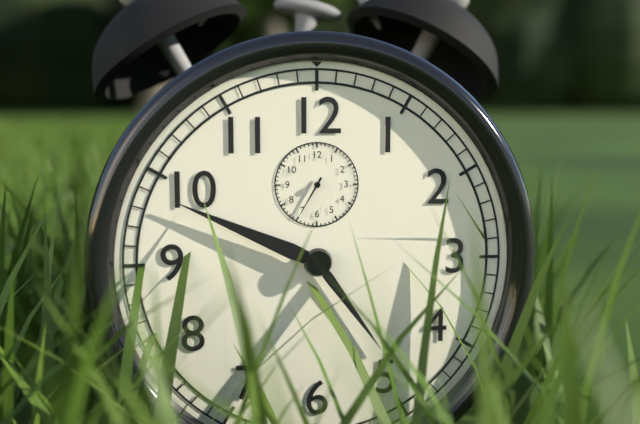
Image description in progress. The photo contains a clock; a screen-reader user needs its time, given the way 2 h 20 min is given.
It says 4 h 49 min
